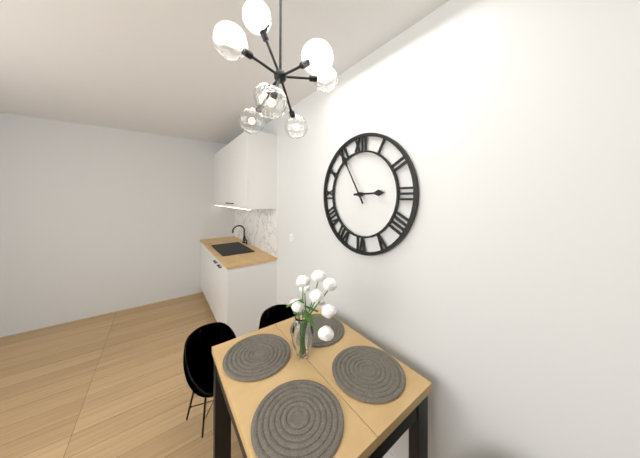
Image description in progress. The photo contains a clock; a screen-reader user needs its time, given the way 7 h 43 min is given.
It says 2 h 55 min
